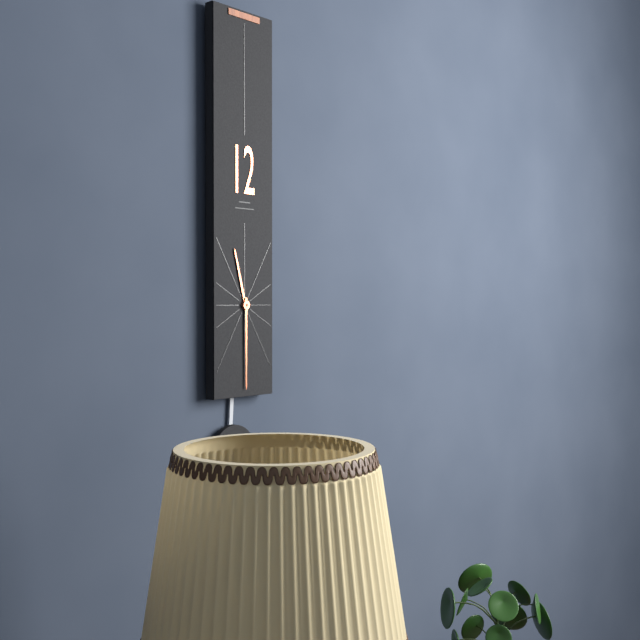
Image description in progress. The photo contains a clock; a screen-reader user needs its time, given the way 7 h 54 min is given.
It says 11 h 30 min
